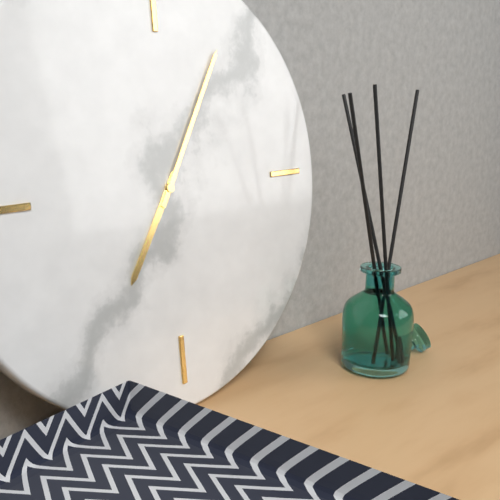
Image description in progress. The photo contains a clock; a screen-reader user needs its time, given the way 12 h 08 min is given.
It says 7 h 05 min
